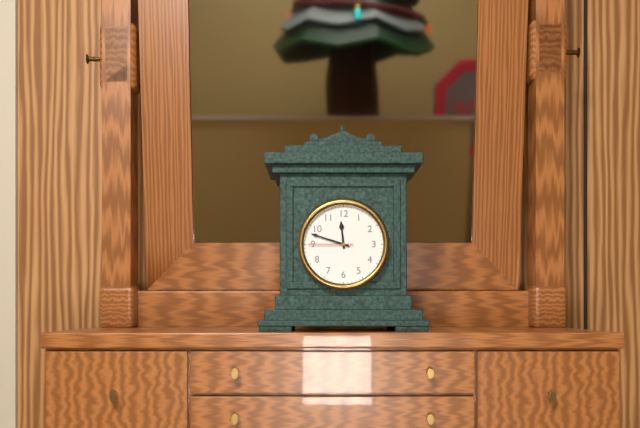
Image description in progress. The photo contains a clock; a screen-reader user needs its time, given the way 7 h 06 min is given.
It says 11 h 48 min
